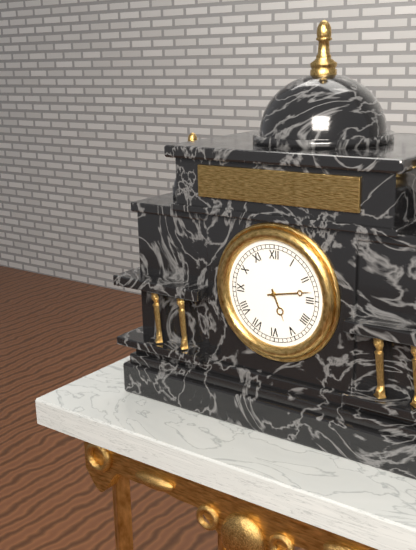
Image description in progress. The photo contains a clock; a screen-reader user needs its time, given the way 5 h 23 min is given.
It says 5 h 13 min
